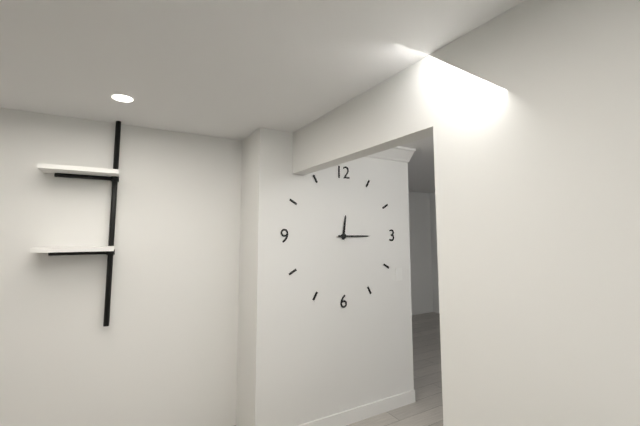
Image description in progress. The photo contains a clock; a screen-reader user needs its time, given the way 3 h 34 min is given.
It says 12 h 15 min
